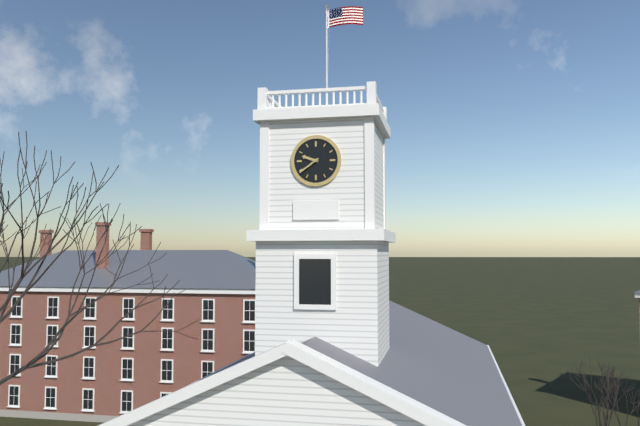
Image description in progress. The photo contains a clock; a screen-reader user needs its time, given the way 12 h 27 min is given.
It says 9 h 39 min
